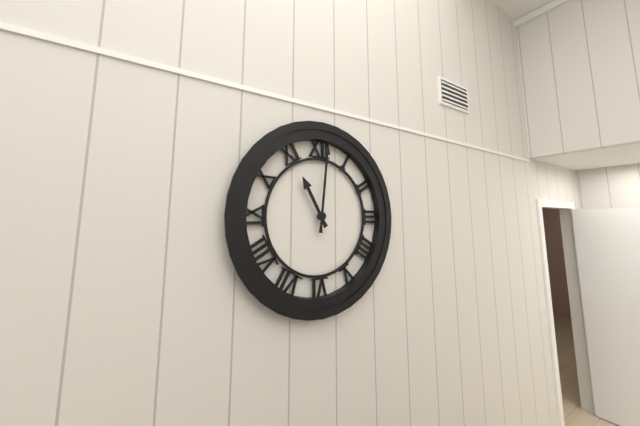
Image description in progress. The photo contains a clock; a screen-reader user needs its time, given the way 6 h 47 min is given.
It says 11 h 01 min
